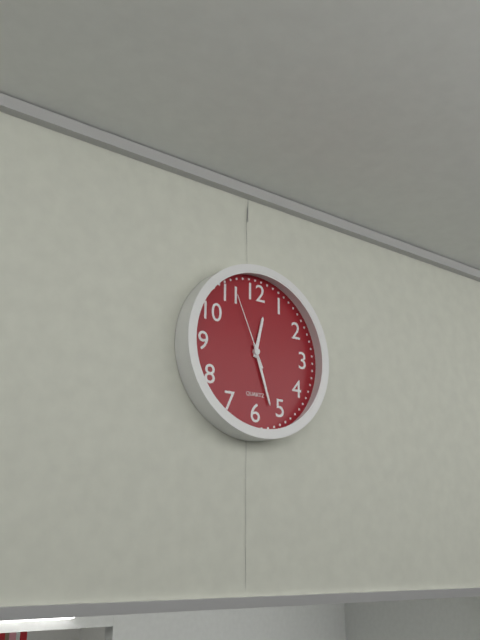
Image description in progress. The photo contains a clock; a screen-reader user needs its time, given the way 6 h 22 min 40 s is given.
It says 12 h 27 min 56 s
